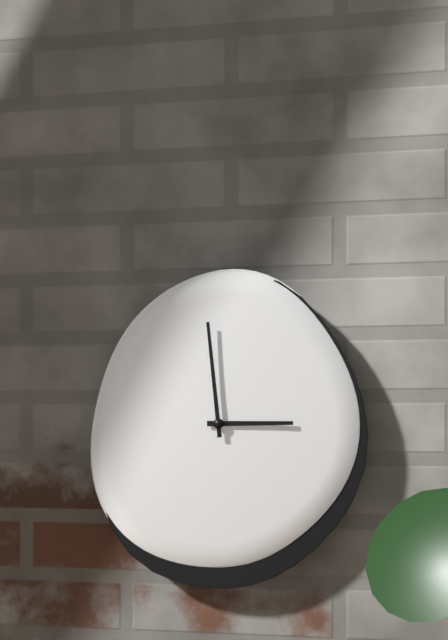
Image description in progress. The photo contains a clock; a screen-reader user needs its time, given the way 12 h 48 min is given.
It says 2 h 59 min
